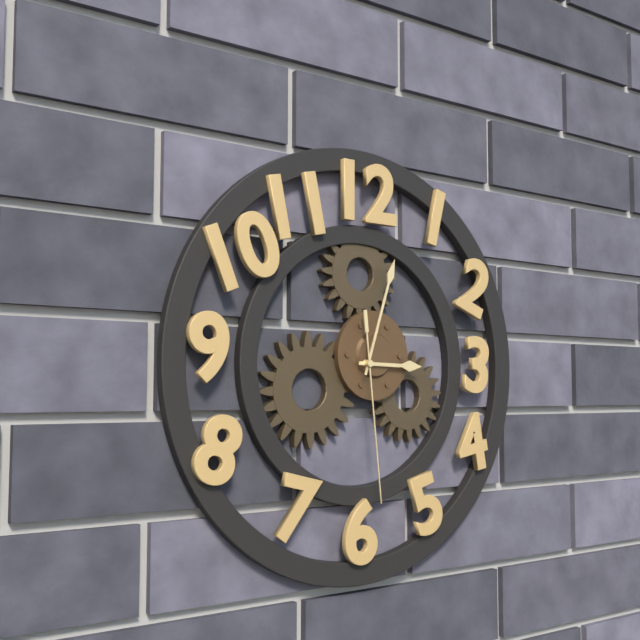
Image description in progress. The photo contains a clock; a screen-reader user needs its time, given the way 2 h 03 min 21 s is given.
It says 3 h 03 min 29 s
